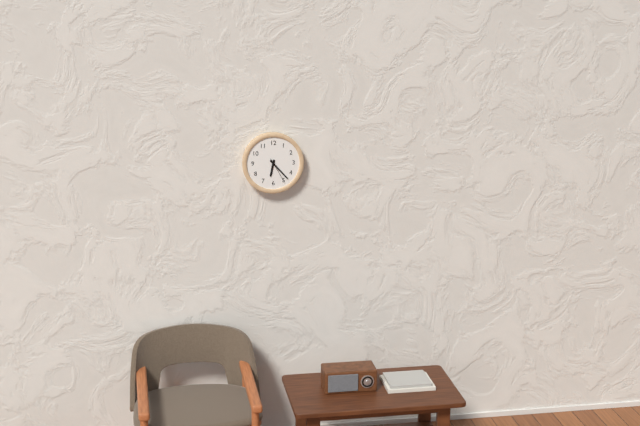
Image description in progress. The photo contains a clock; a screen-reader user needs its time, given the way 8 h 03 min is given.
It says 6 h 23 min
